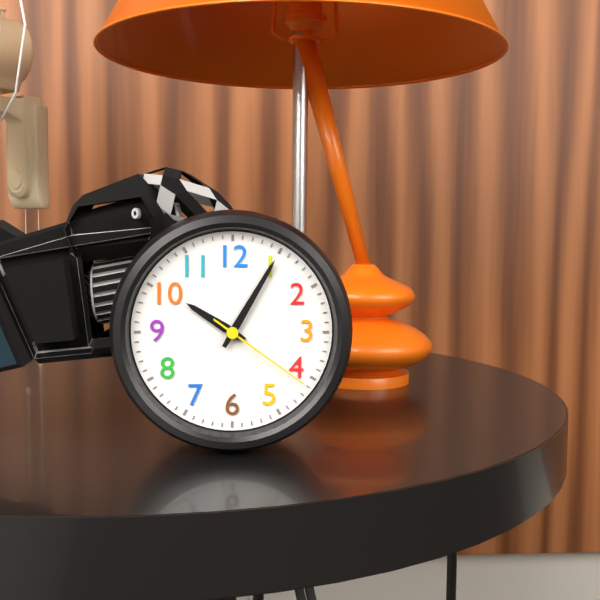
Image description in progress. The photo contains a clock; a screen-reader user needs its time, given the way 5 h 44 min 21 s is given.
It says 10 h 05 min 21 s
